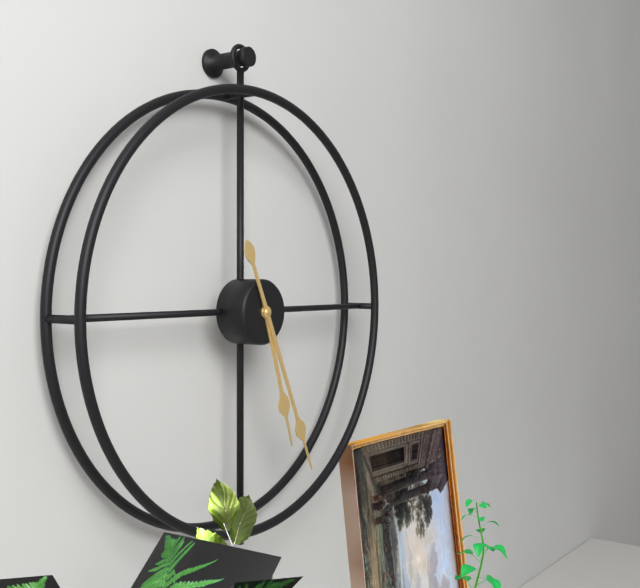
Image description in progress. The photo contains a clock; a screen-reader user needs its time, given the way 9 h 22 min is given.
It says 5 h 26 min
